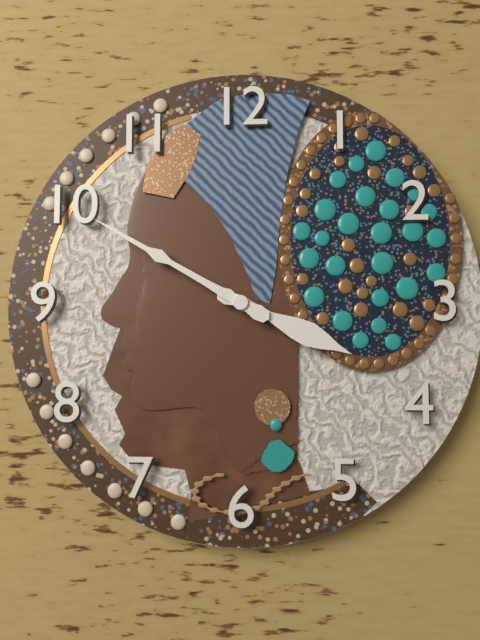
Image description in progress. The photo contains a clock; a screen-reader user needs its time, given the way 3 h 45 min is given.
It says 3 h 50 min
